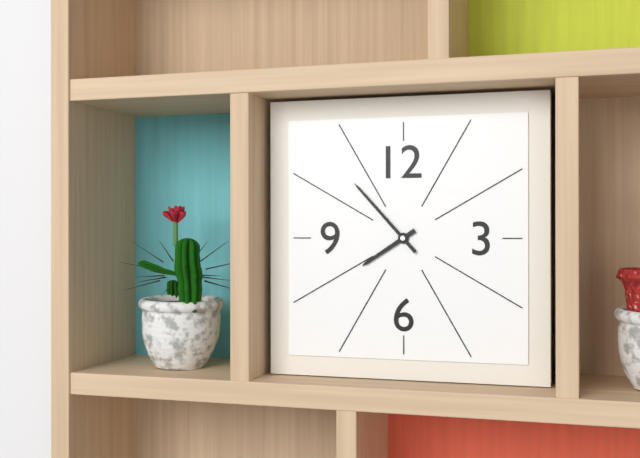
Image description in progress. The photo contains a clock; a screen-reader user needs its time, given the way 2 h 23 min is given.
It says 7 h 53 min
